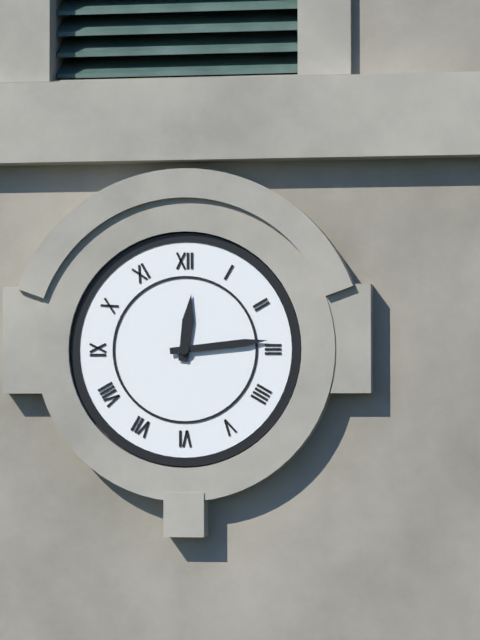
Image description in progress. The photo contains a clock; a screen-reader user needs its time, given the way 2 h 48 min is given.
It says 12 h 14 min
